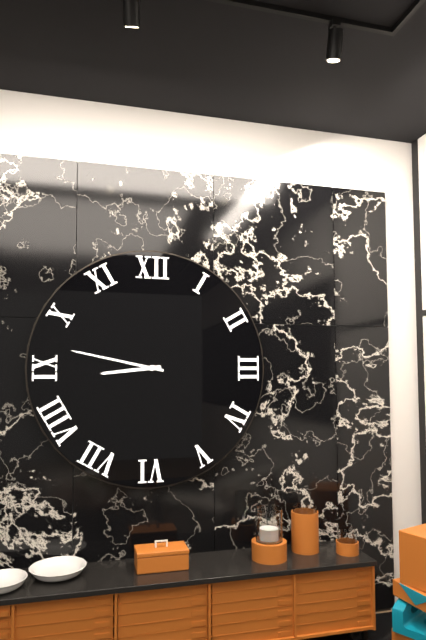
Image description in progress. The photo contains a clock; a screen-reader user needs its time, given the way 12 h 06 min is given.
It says 8 h 47 min
